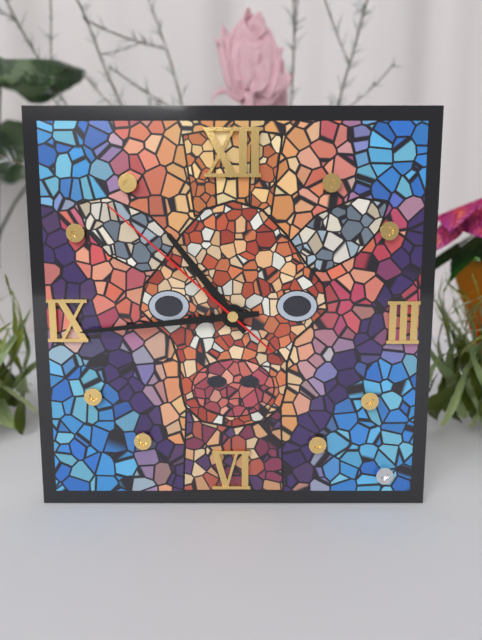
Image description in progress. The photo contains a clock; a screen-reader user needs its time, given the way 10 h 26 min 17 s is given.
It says 10 h 44 min 52 s
